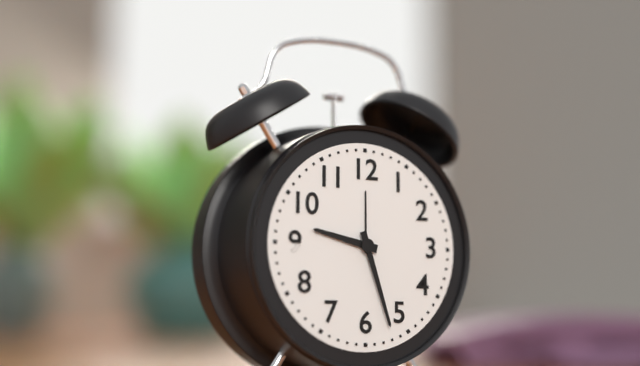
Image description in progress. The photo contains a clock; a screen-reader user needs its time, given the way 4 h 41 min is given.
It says 9 h 27 min
